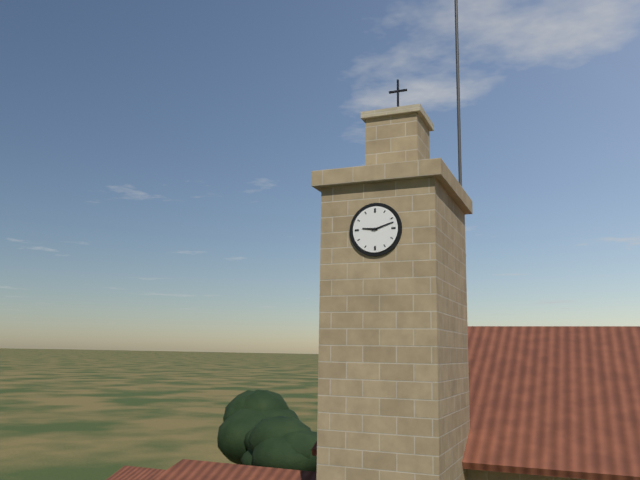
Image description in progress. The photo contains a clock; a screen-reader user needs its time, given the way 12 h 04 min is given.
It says 9 h 12 min
